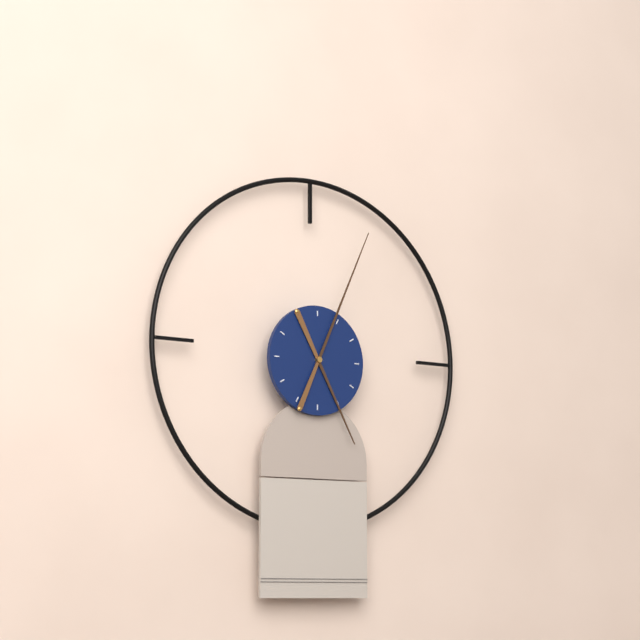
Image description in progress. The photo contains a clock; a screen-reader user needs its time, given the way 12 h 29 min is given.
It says 5 h 04 min
